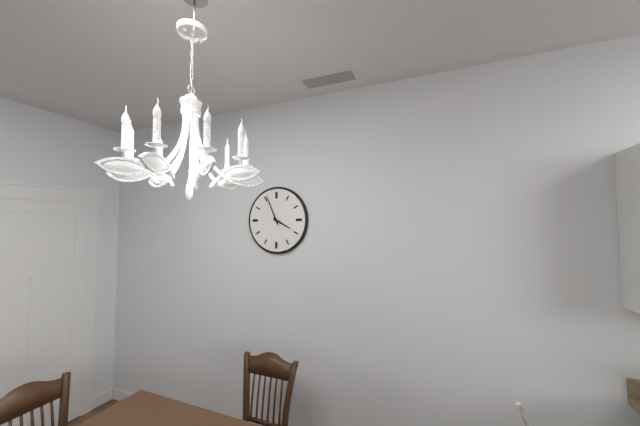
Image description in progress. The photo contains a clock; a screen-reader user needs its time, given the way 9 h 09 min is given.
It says 3 h 56 min
